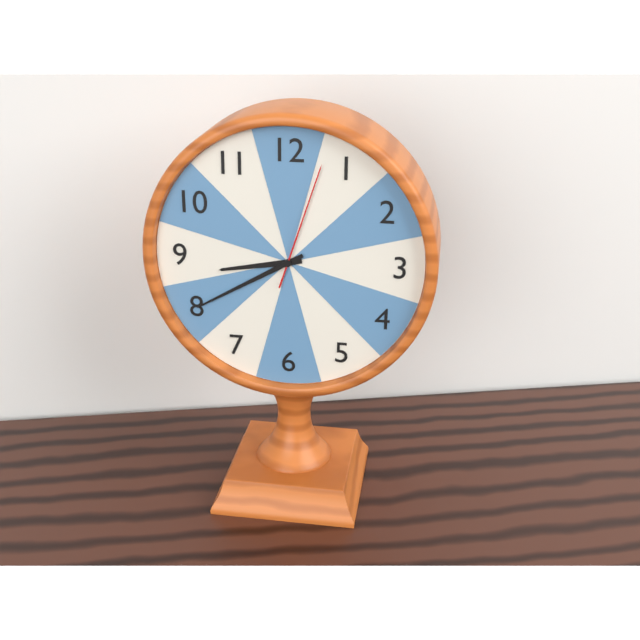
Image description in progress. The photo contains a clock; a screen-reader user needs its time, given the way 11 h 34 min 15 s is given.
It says 8 h 40 min 03 s
